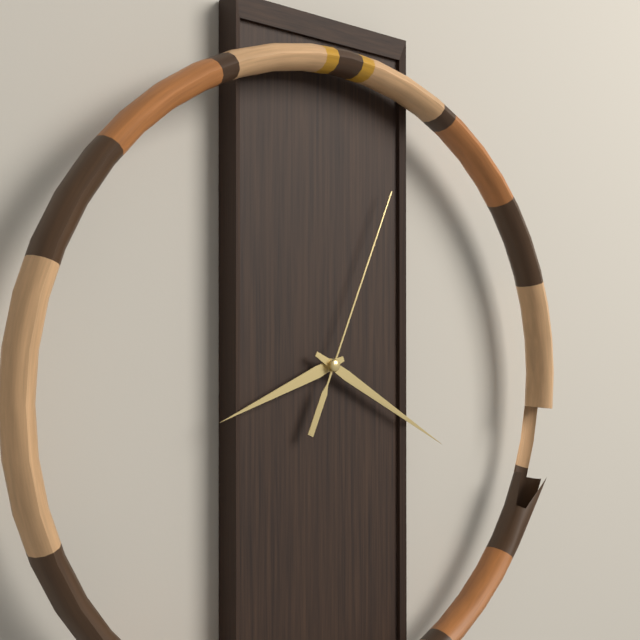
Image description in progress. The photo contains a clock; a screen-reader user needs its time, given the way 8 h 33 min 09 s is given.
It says 8 h 20 min 04 s
